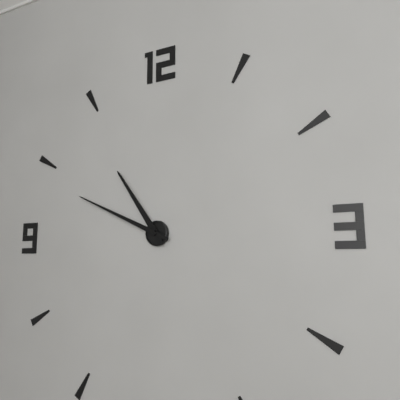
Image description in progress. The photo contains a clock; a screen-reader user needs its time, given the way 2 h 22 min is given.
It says 10 h 49 min
